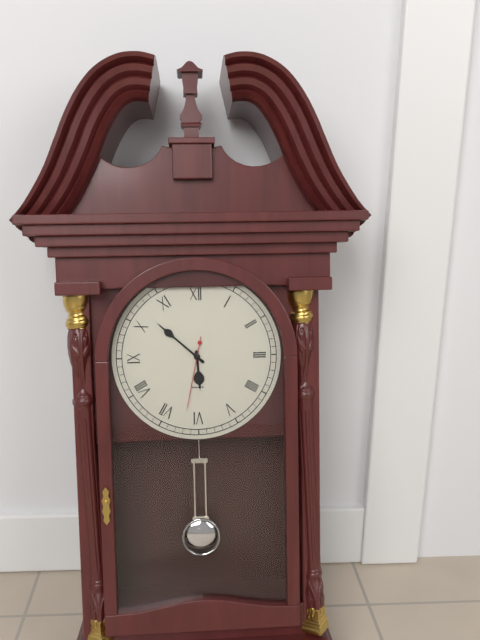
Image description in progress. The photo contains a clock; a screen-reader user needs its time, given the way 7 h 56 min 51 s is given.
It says 5 h 52 min 32 s
